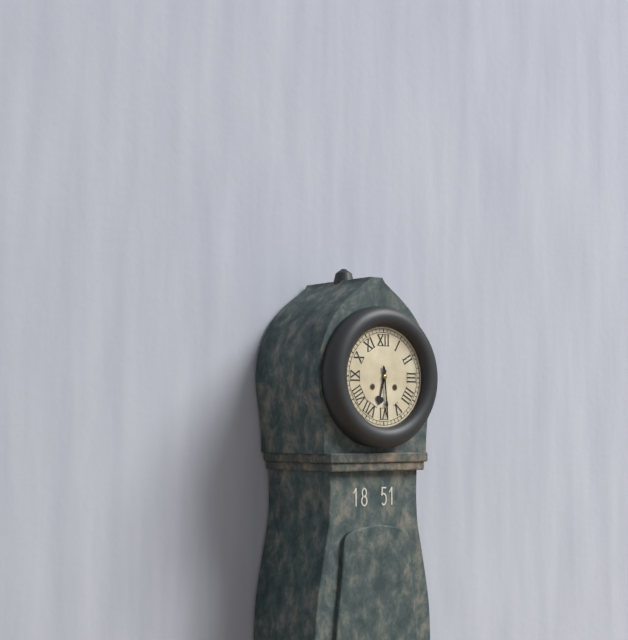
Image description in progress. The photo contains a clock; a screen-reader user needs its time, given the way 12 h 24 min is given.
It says 6 h 29 min
